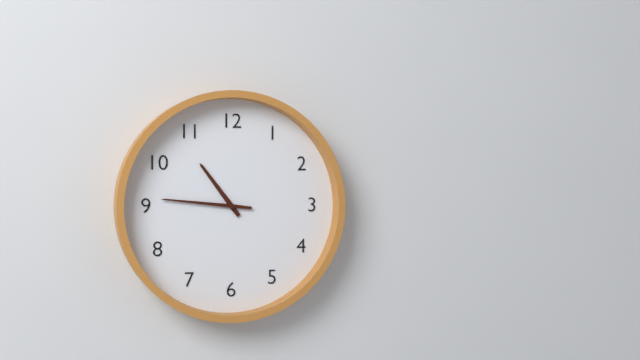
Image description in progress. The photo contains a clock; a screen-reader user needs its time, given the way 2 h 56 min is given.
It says 10 h 46 min
